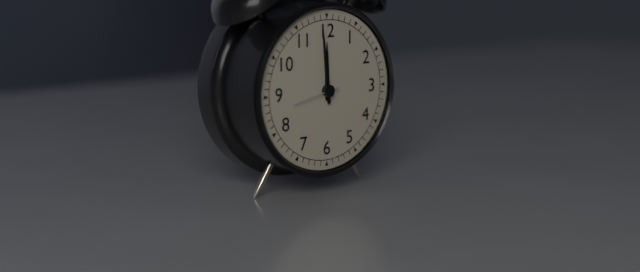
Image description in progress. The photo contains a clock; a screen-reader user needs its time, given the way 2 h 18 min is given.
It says 11 h 59 min
